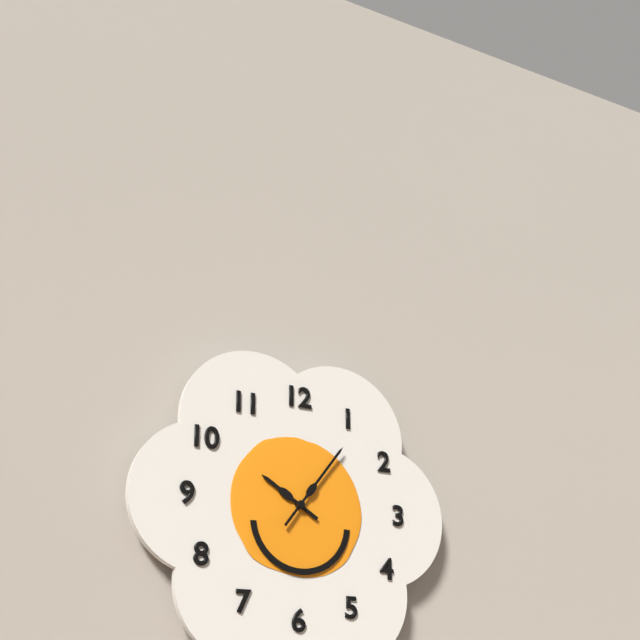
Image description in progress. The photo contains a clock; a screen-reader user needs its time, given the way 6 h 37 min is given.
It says 10 h 06 min
